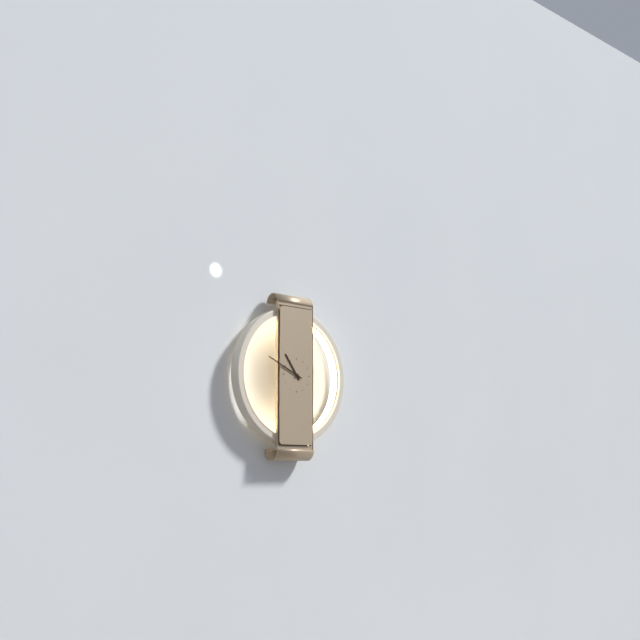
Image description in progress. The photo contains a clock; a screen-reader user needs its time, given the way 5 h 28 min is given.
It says 10 h 49 min
